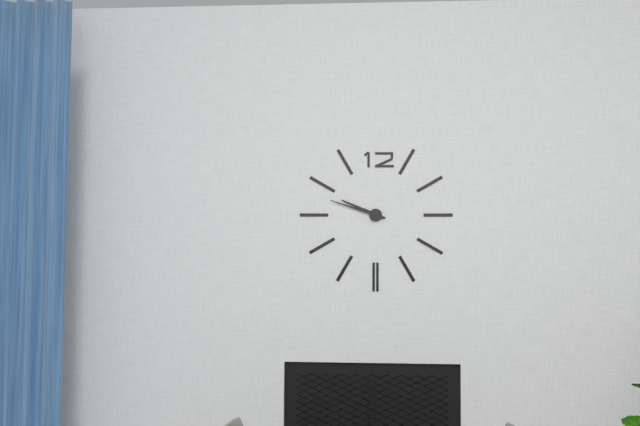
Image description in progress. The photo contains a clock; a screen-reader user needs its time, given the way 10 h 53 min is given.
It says 9 h 48 min
